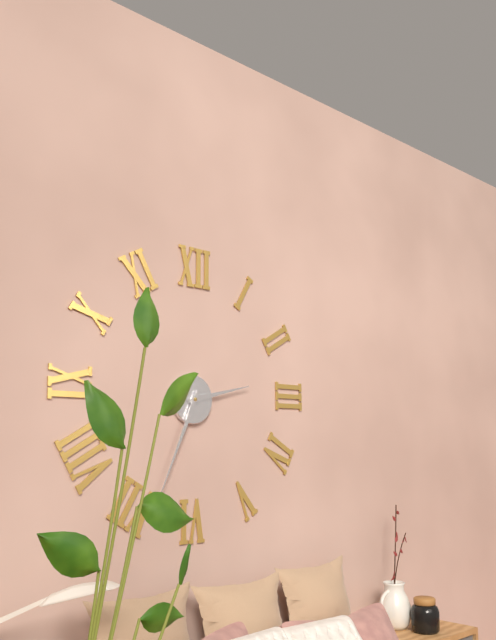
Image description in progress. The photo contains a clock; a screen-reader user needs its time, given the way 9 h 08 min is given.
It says 2 h 34 min
